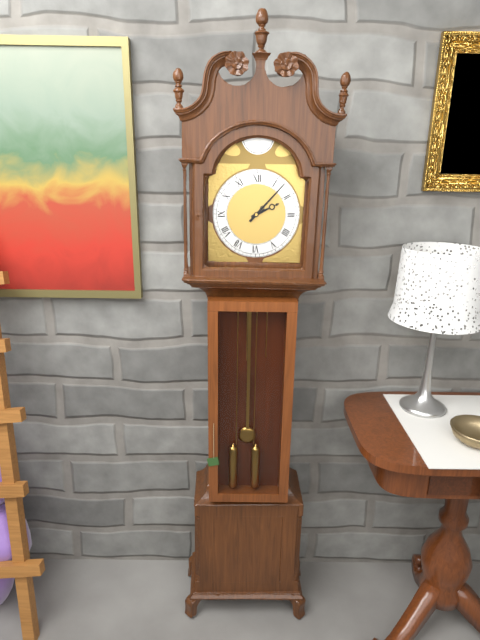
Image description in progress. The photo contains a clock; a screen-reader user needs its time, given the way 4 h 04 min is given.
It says 2 h 07 min
